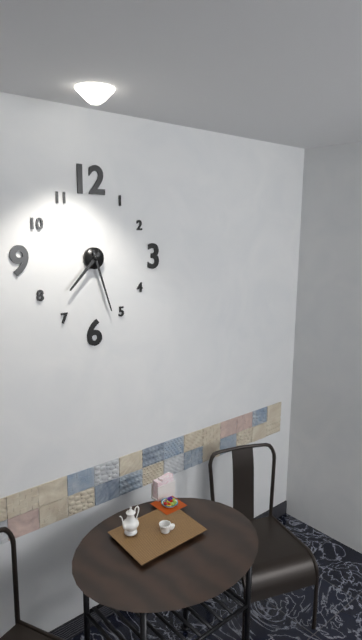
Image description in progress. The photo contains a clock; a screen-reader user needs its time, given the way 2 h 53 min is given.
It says 7 h 27 min
